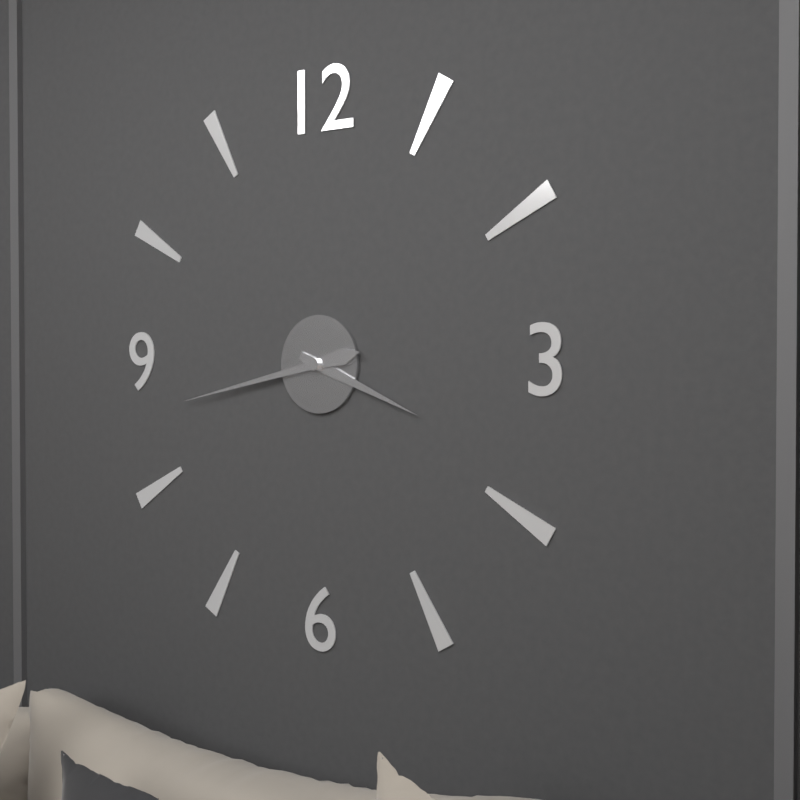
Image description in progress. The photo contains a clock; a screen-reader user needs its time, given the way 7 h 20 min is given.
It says 3 h 43 min
